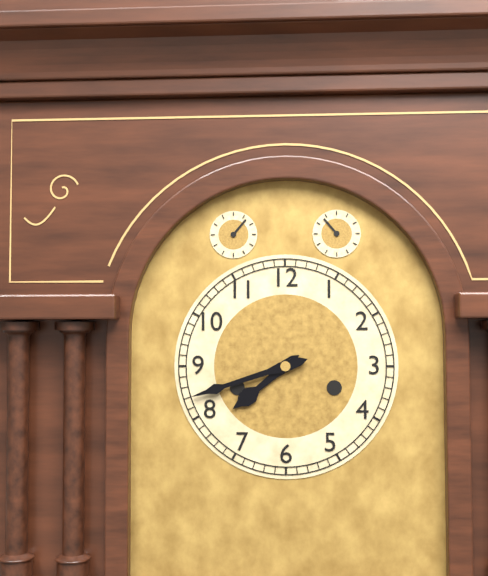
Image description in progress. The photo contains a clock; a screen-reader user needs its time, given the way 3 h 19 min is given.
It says 7 h 42 min
